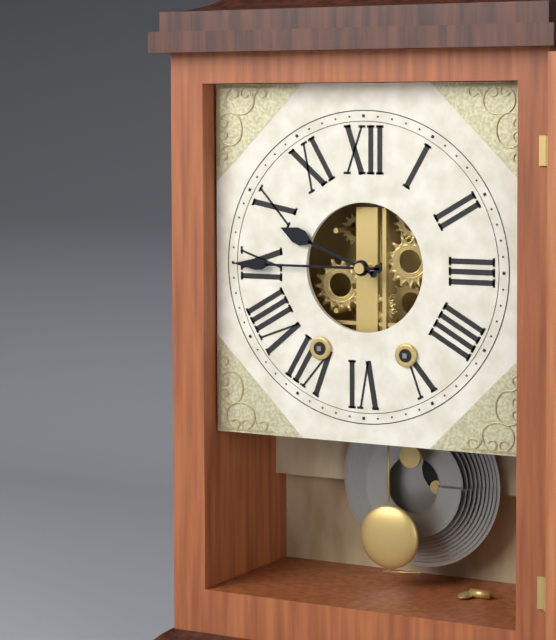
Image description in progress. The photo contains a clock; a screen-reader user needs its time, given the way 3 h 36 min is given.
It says 9 h 45 min
